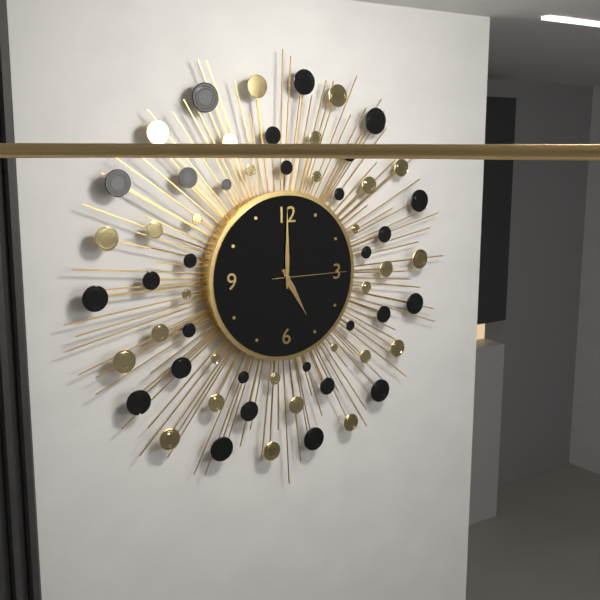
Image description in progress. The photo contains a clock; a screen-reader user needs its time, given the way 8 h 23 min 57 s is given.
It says 5 h 00 min 15 s
